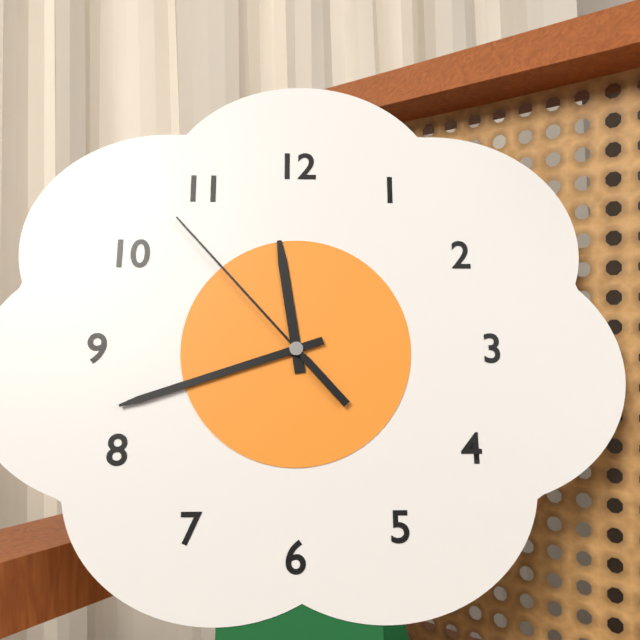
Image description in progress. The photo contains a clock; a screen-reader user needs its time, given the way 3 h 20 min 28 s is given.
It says 11 h 42 min 53 s
